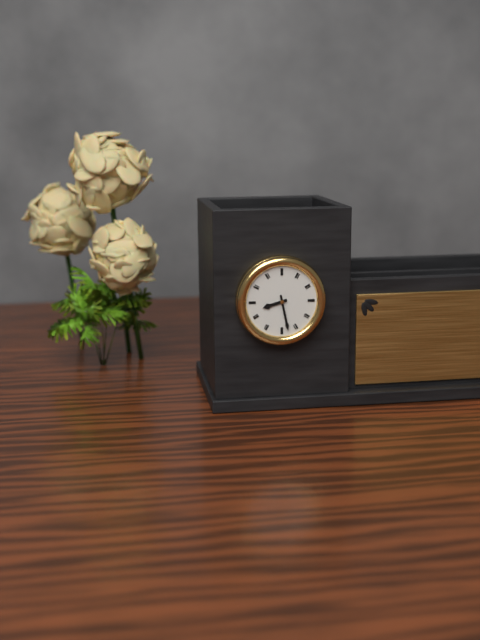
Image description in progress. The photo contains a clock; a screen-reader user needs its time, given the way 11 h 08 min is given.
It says 8 h 28 min
